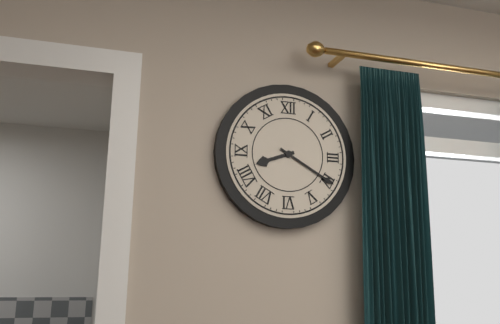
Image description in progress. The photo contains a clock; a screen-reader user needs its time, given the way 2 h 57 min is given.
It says 8 h 20 min
